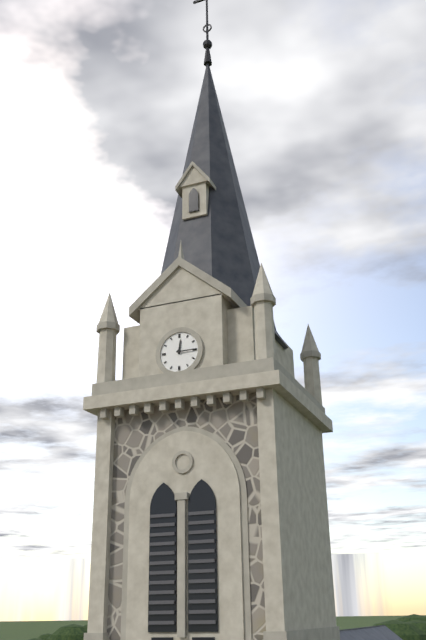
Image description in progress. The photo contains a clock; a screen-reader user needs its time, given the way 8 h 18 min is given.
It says 12 h 15 min
